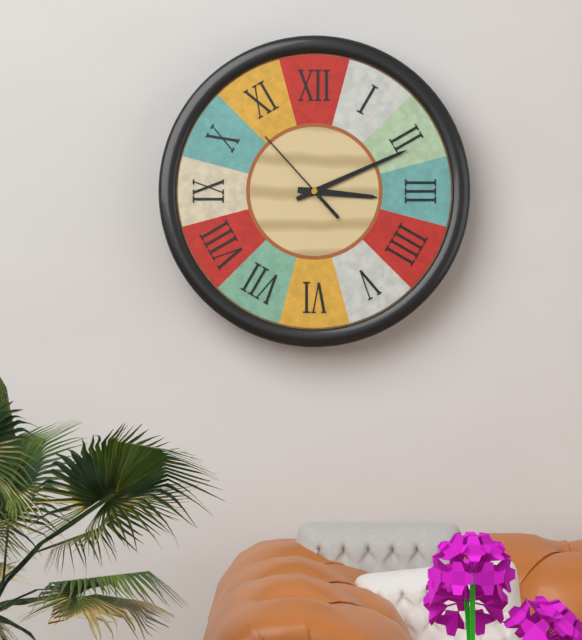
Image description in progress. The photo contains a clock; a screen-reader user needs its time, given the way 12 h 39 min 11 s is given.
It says 3 h 11 min 53 s
